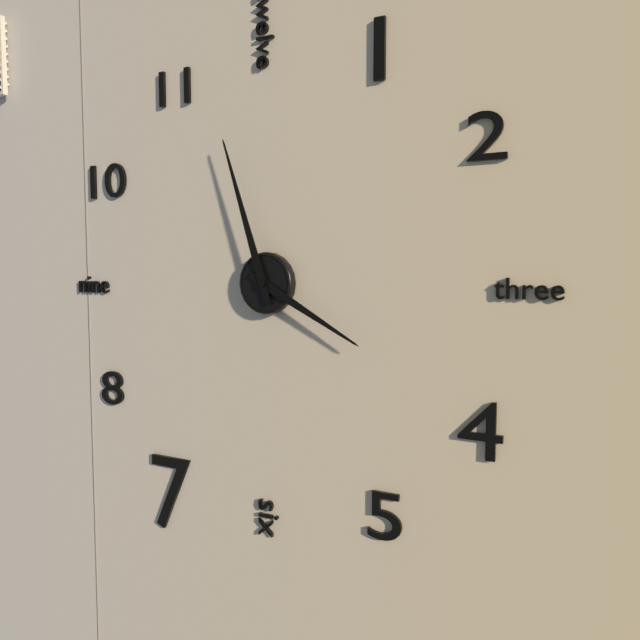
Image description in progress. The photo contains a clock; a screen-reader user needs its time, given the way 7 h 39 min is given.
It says 3 h 57 min
